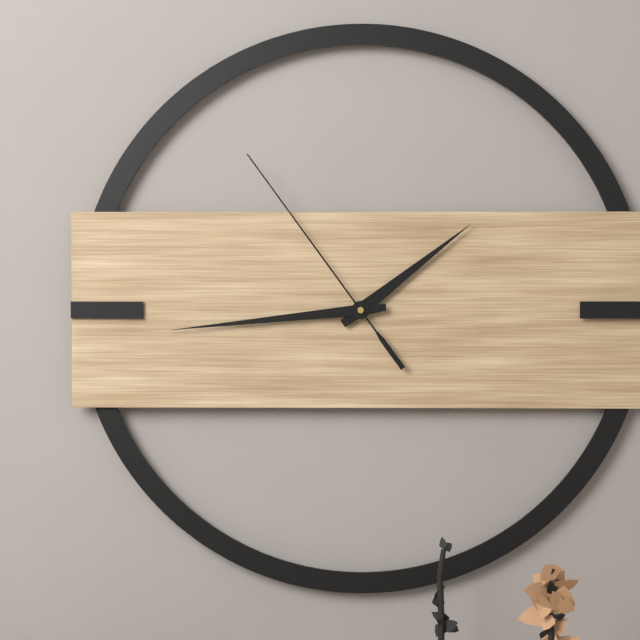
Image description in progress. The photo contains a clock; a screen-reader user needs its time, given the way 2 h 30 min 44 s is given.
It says 1 h 44 min 54 s
